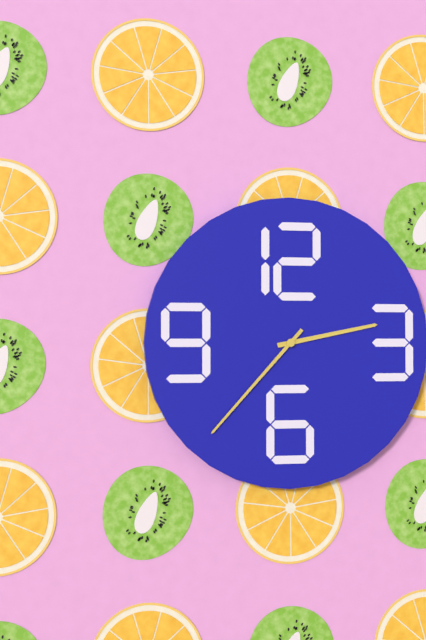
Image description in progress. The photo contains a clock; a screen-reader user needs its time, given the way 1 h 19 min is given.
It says 2 h 37 min
